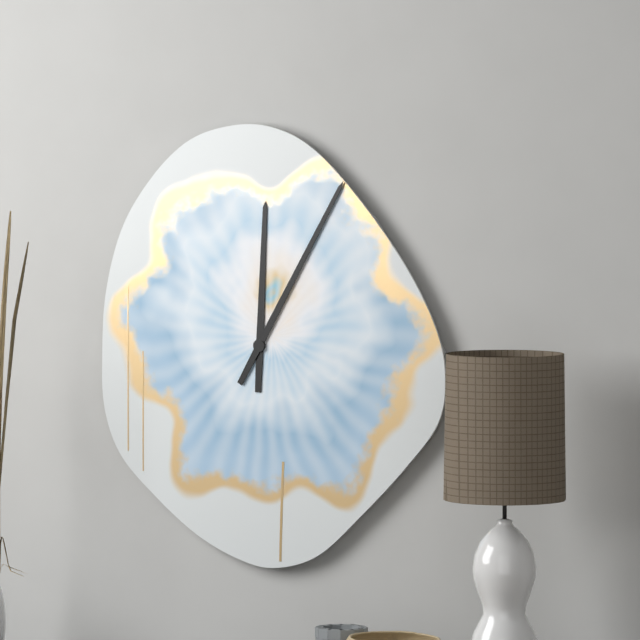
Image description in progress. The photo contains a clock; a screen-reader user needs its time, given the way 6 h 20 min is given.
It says 12 h 05 min
